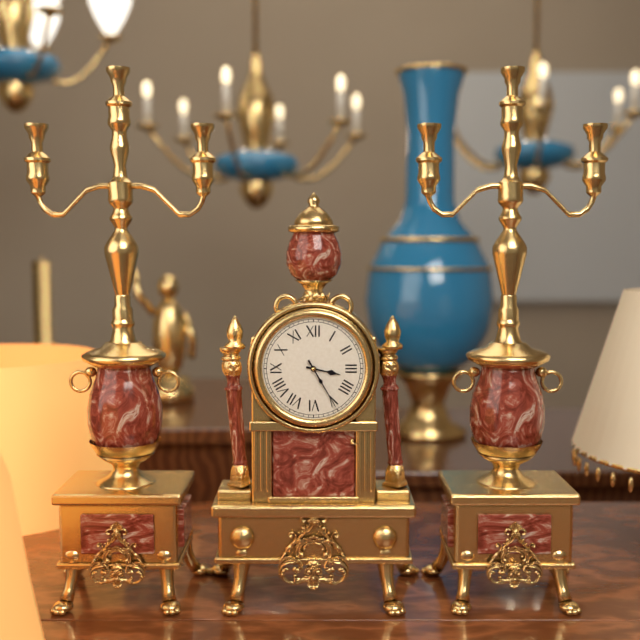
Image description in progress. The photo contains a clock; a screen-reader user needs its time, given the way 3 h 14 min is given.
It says 3 h 25 min
